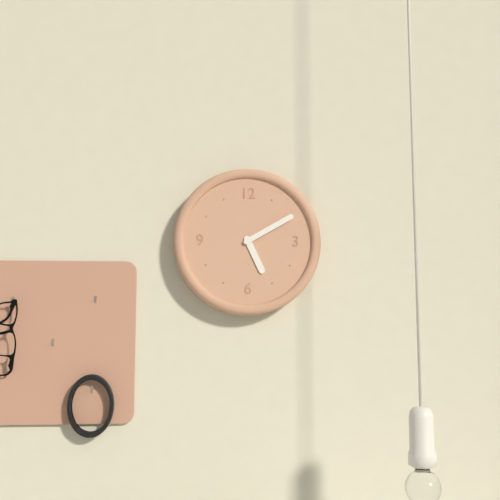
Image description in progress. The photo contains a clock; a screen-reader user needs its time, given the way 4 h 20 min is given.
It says 5 h 10 min
